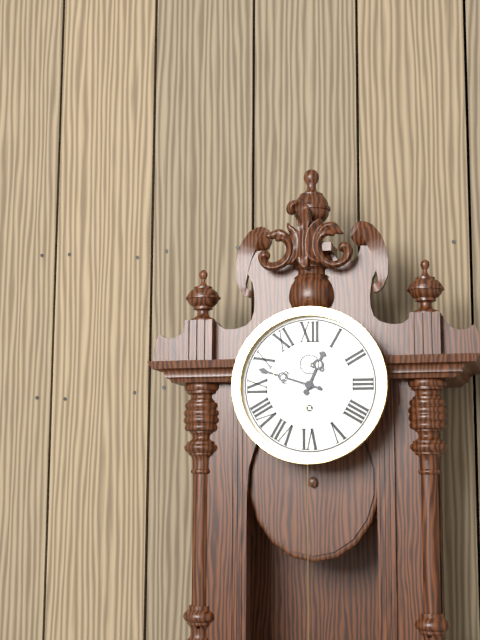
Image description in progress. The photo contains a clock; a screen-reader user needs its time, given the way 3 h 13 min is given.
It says 12 h 48 min
